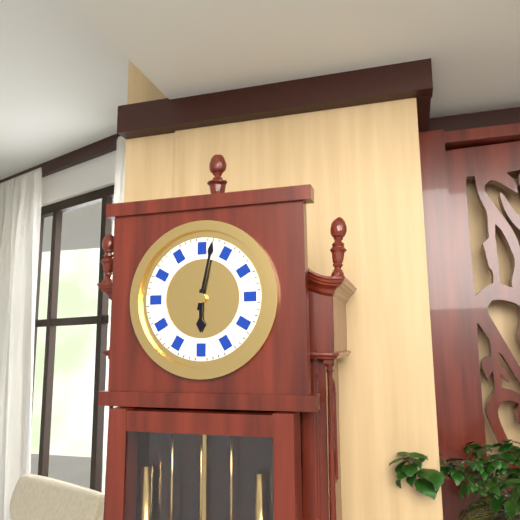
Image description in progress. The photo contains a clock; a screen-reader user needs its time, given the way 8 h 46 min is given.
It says 6 h 02 min
